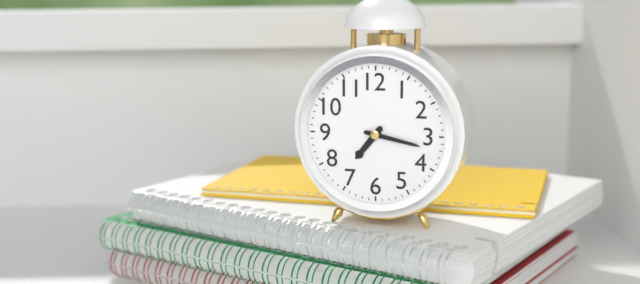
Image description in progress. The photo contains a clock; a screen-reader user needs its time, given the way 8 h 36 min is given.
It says 7 h 17 min
